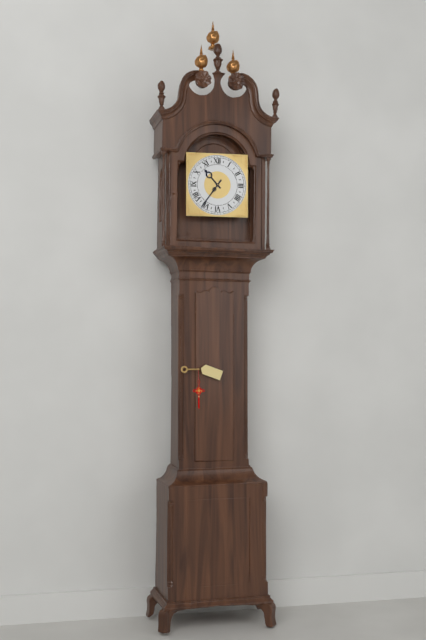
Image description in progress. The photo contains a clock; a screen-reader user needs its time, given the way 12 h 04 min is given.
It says 10 h 36 min
